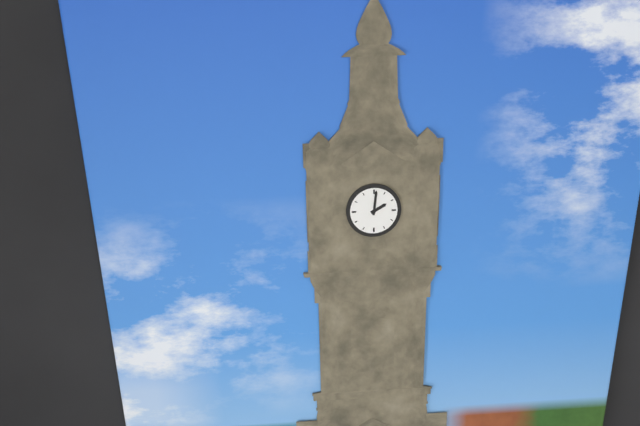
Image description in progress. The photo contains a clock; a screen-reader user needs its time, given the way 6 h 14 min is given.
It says 2 h 01 min
